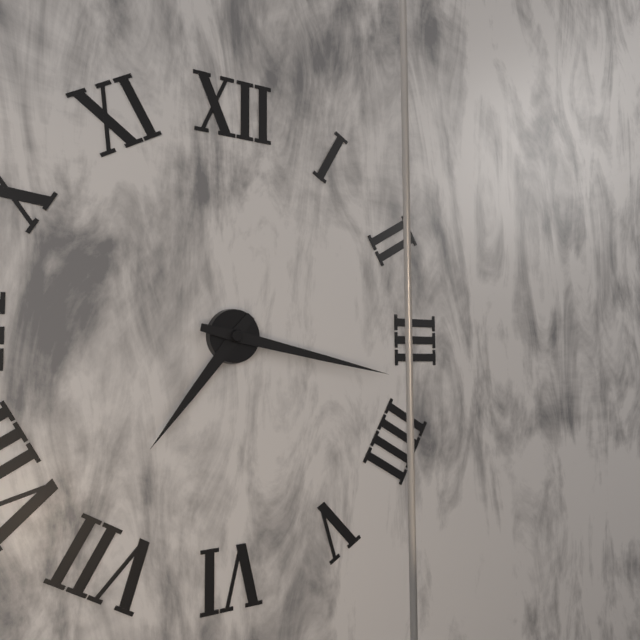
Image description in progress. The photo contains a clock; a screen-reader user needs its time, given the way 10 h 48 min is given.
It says 7 h 17 min
